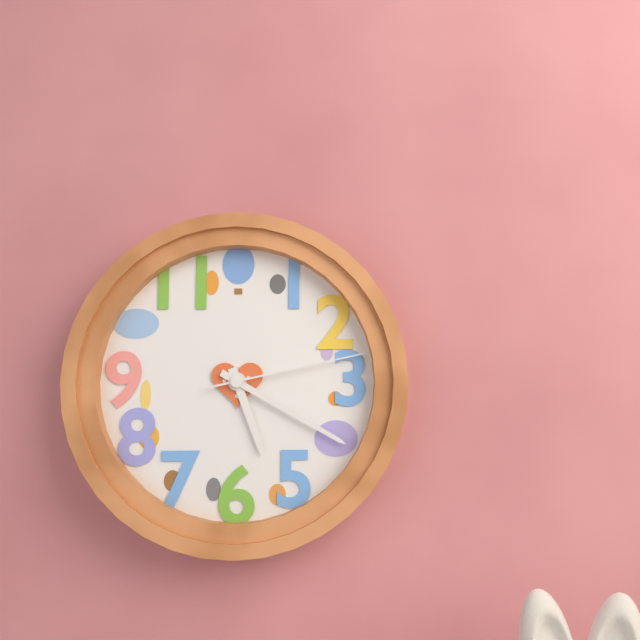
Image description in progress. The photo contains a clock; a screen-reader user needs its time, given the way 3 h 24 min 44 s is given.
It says 5 h 20 min 13 s
